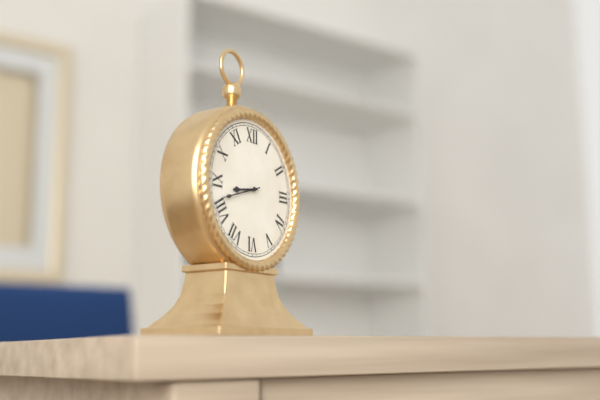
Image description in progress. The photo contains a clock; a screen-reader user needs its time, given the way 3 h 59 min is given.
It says 8 h 42 min
